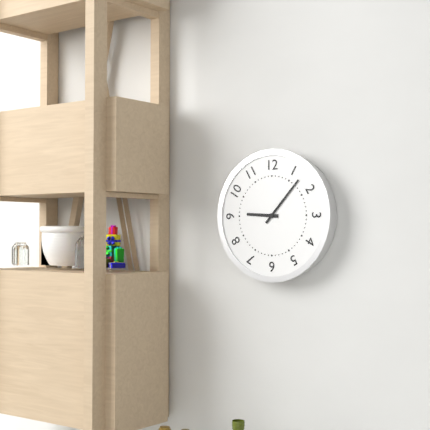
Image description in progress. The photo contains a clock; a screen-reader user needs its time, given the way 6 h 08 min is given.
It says 9 h 07 min
